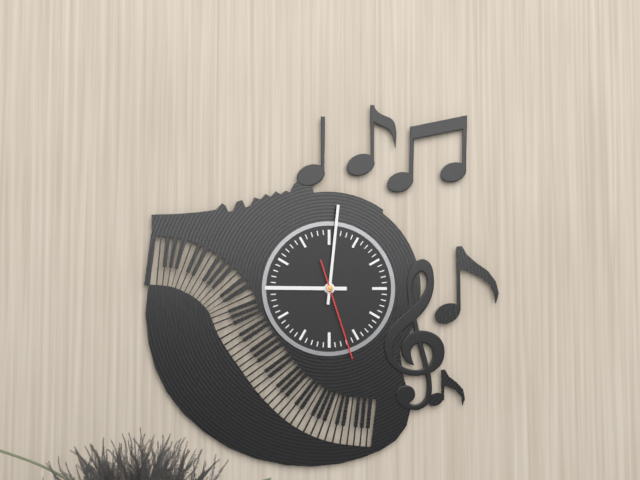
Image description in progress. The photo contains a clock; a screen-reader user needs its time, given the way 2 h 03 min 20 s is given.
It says 9 h 01 min 27 s
